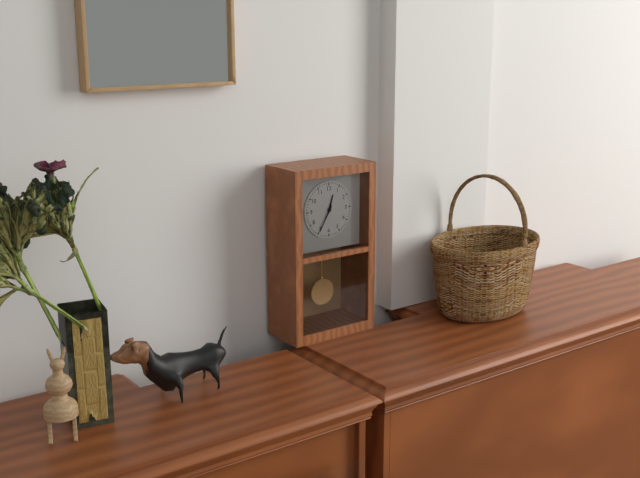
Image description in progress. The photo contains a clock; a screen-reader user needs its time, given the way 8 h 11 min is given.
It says 12 h 35 min
